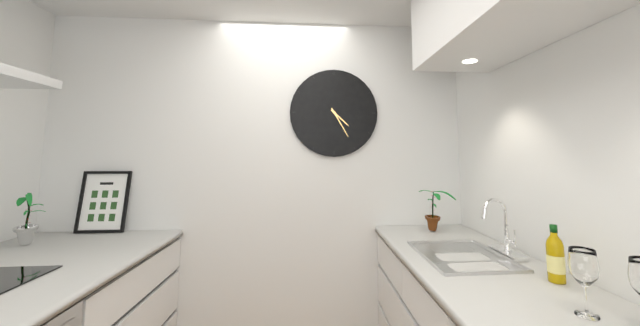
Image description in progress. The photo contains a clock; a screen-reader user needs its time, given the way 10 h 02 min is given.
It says 4 h 25 min
